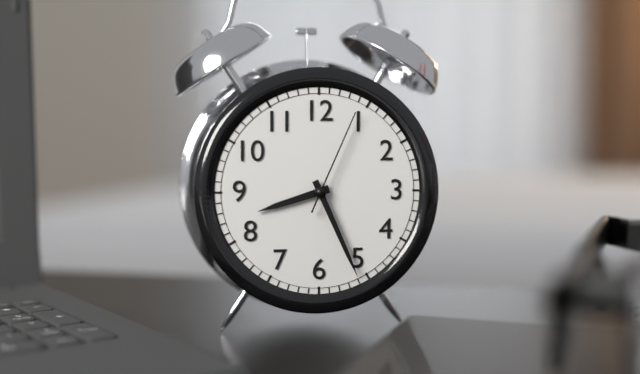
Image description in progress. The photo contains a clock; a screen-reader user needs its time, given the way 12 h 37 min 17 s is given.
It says 8 h 26 min 04 s
